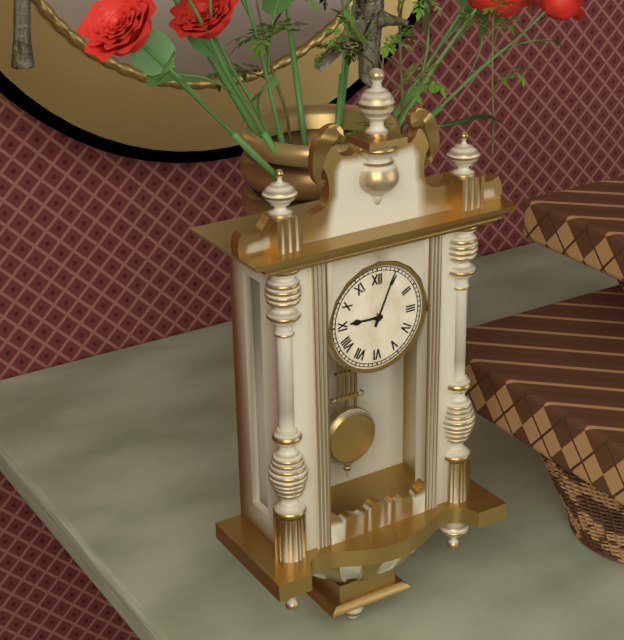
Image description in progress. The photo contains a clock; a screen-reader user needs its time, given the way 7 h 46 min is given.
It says 9 h 04 min
